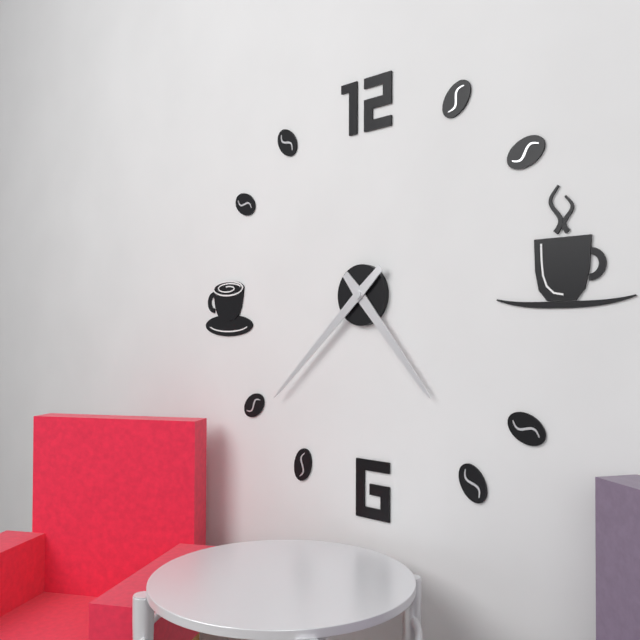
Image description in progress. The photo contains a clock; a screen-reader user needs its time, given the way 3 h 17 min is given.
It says 4 h 38 min
